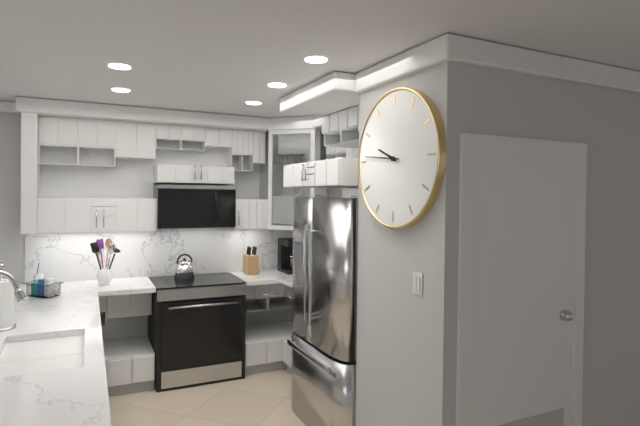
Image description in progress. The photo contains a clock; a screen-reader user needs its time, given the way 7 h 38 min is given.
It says 9 h 46 min
